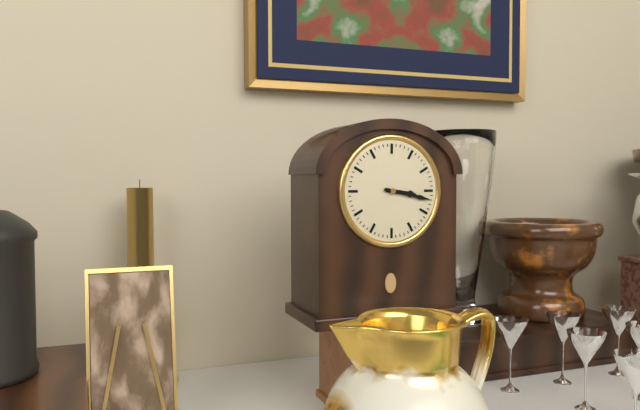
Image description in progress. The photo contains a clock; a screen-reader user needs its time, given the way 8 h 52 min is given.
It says 3 h 17 min
